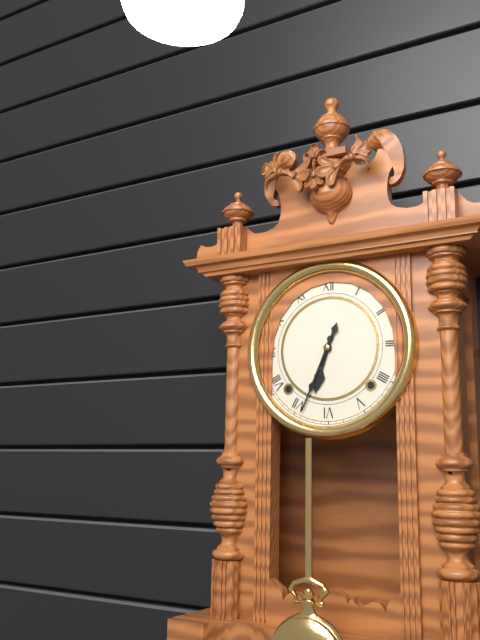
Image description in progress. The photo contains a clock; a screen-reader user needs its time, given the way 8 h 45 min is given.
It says 6 h 34 min
